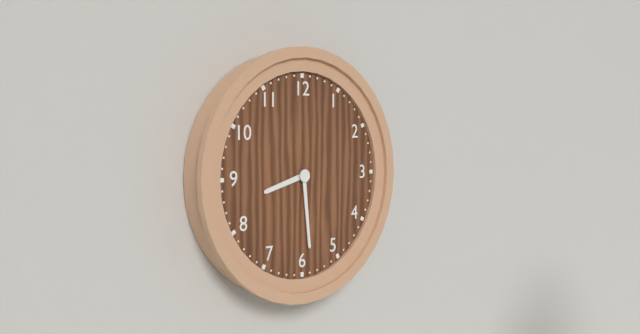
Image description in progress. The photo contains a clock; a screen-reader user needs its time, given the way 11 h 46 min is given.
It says 8 h 29 min
